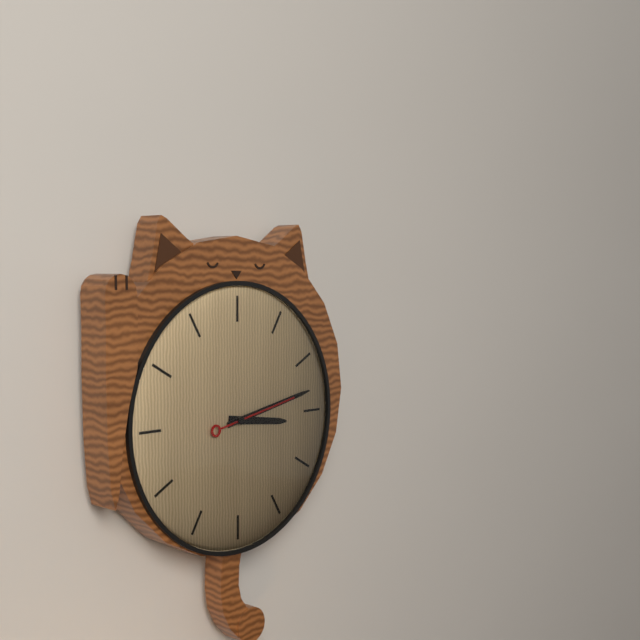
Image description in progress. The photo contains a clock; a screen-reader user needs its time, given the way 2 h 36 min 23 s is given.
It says 3 h 13 min 13 s
